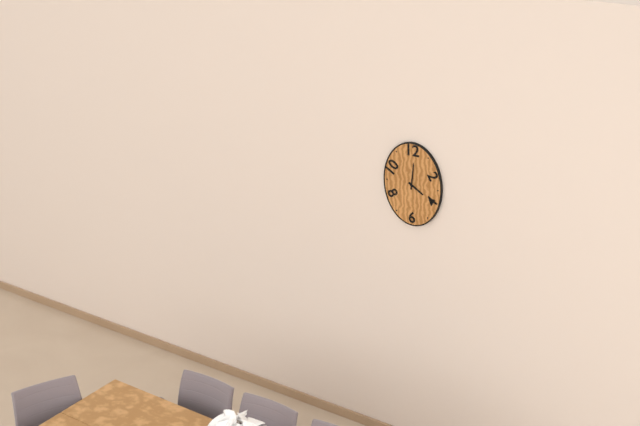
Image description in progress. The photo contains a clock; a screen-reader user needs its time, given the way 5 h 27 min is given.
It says 4 h 01 min
